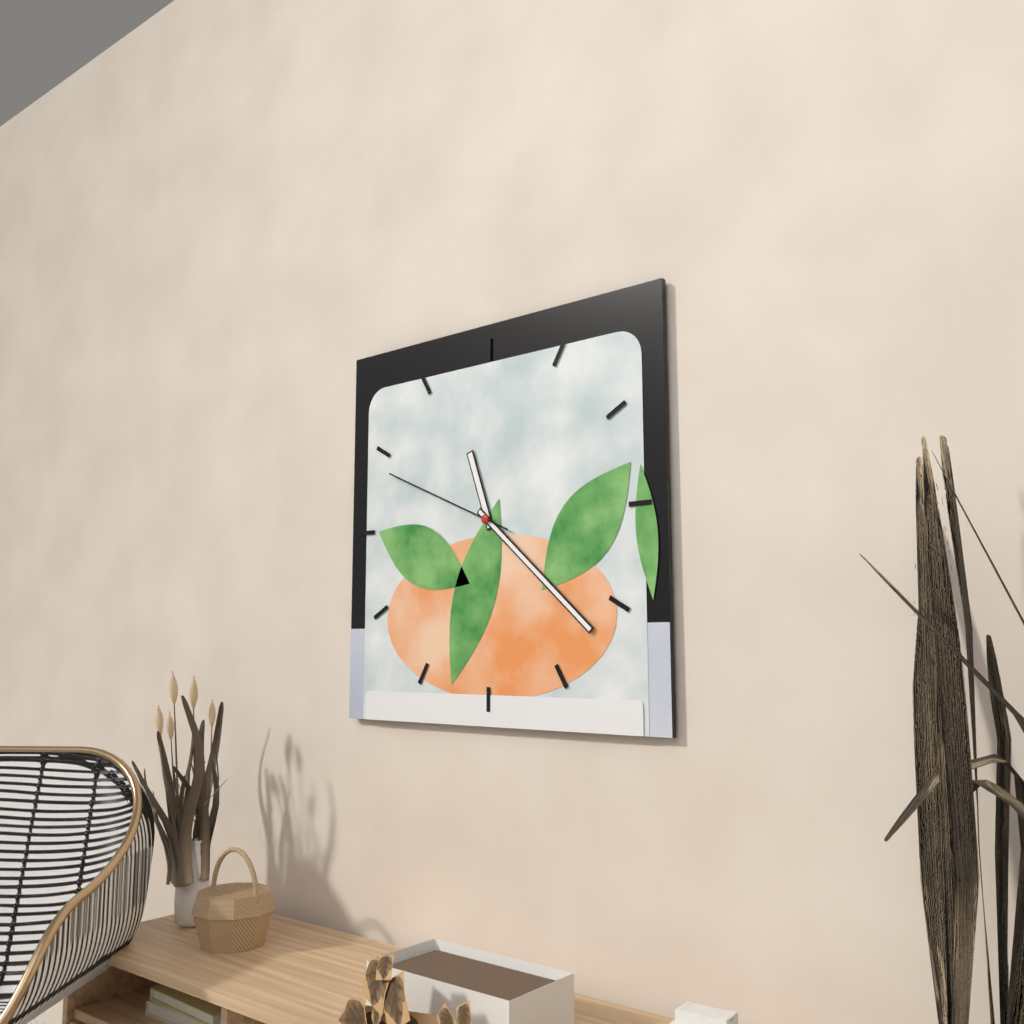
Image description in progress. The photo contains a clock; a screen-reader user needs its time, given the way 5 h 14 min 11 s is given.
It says 11 h 22 min 49 s
